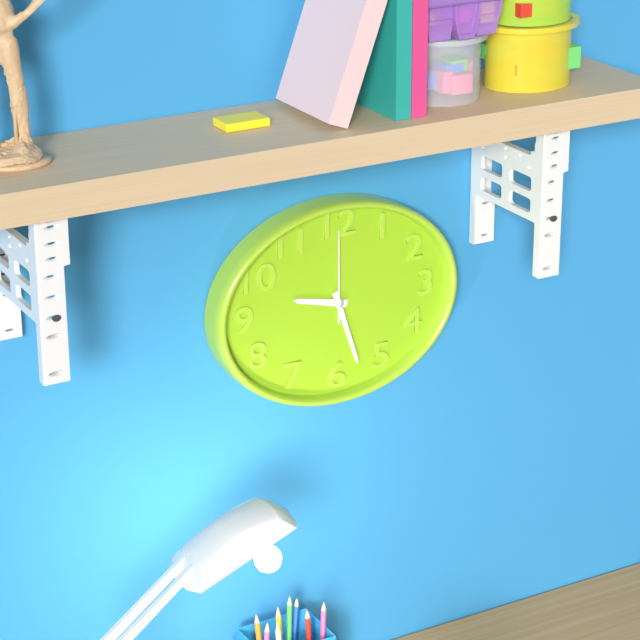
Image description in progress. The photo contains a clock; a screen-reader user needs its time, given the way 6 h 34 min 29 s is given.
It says 9 h 27 min 00 s
